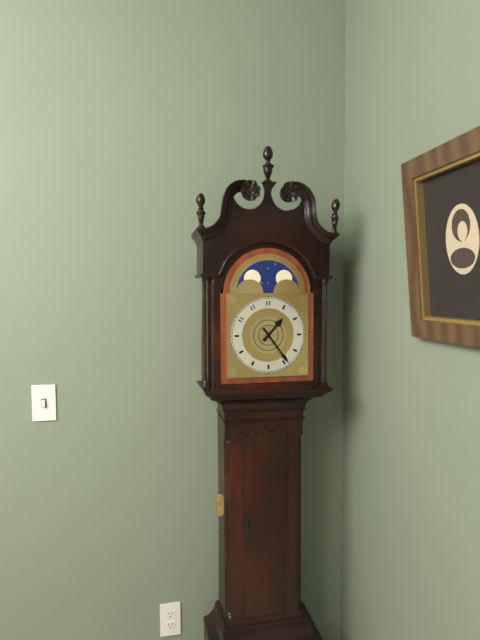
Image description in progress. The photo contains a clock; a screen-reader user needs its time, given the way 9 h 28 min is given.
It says 1 h 24 min
